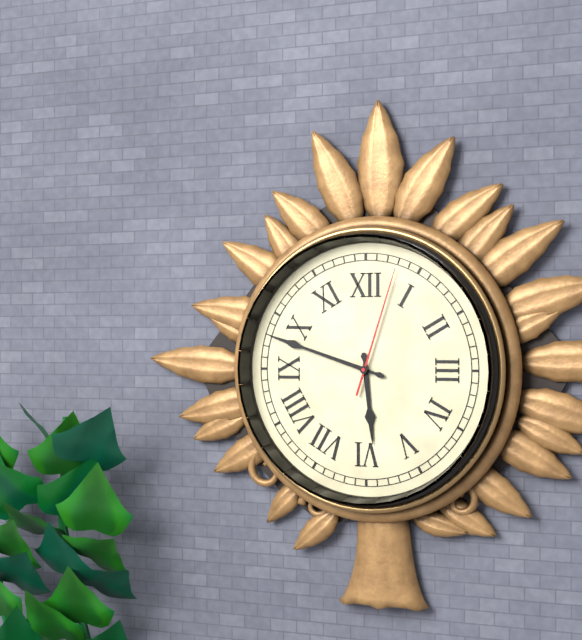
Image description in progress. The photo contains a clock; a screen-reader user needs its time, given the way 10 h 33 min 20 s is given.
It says 5 h 48 min 03 s
